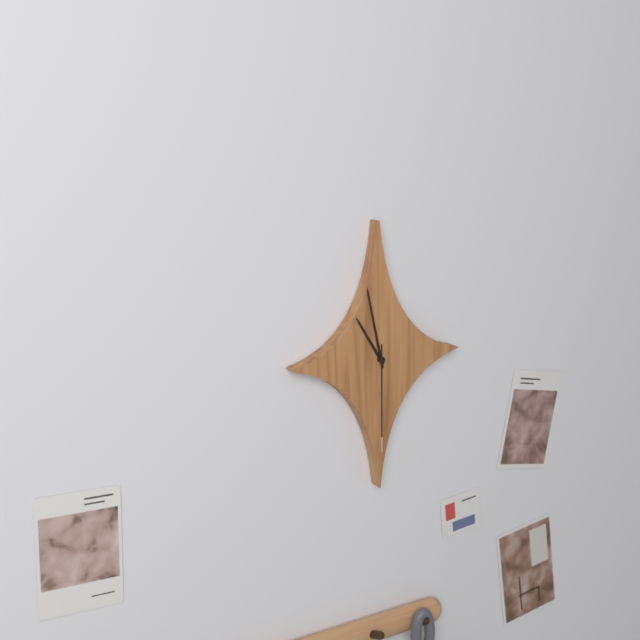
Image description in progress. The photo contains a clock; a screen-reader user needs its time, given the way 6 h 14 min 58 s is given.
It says 10 h 58 min 30 s
